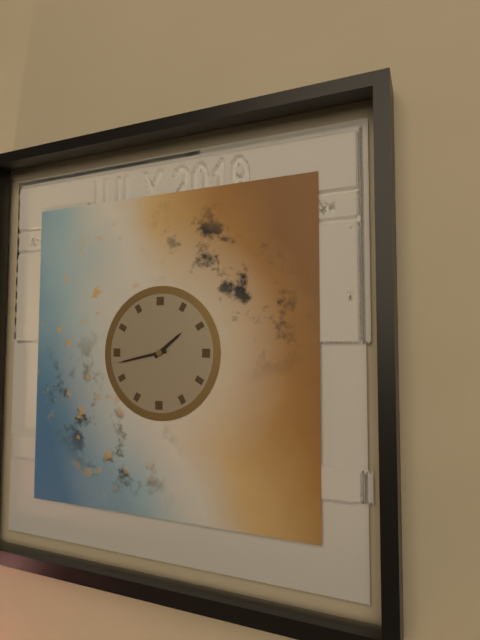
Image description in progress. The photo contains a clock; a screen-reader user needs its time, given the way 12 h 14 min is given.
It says 1 h 43 min
